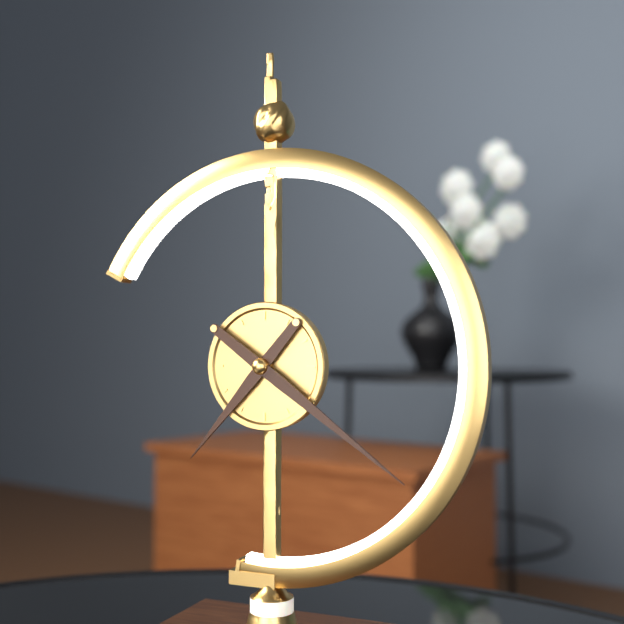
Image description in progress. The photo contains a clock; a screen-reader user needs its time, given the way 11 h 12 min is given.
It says 7 h 21 min
